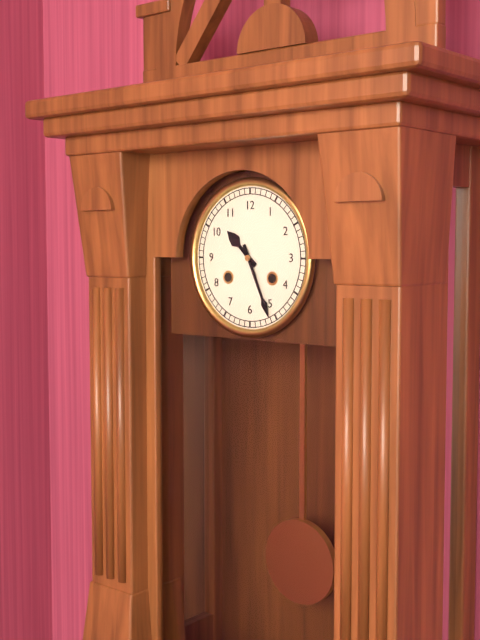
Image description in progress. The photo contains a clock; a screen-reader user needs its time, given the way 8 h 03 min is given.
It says 10 h 26 min
